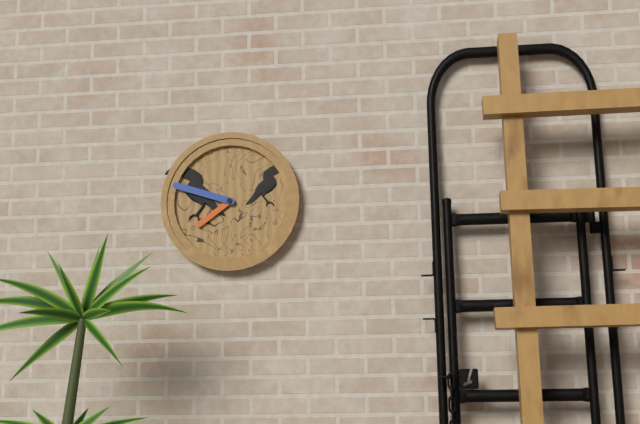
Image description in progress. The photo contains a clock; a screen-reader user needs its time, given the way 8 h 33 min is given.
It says 7 h 48 min
